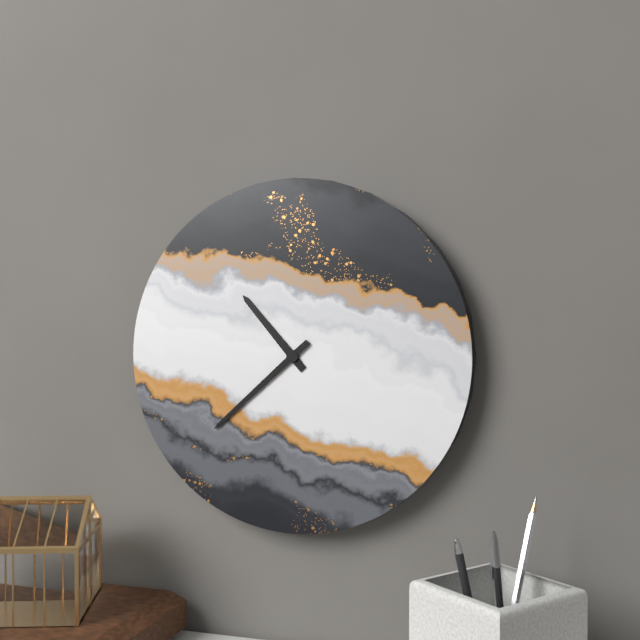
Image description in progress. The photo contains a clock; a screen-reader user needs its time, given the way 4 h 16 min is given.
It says 10 h 38 min
